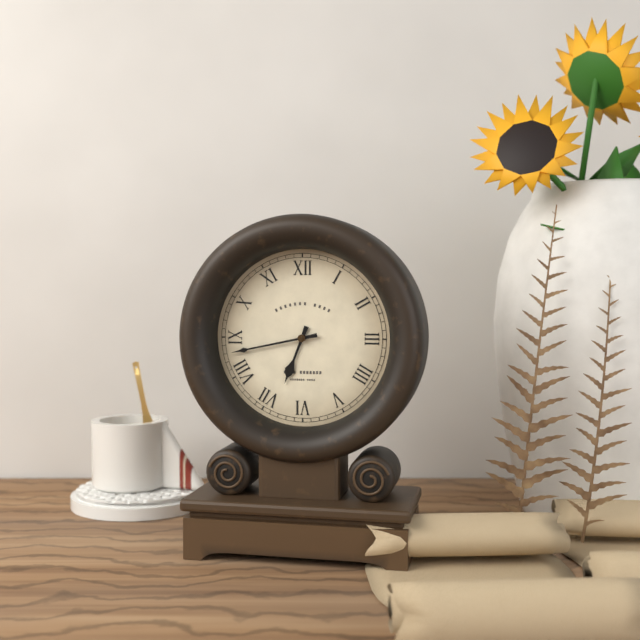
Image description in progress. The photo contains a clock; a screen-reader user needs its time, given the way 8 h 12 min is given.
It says 6 h 43 min
